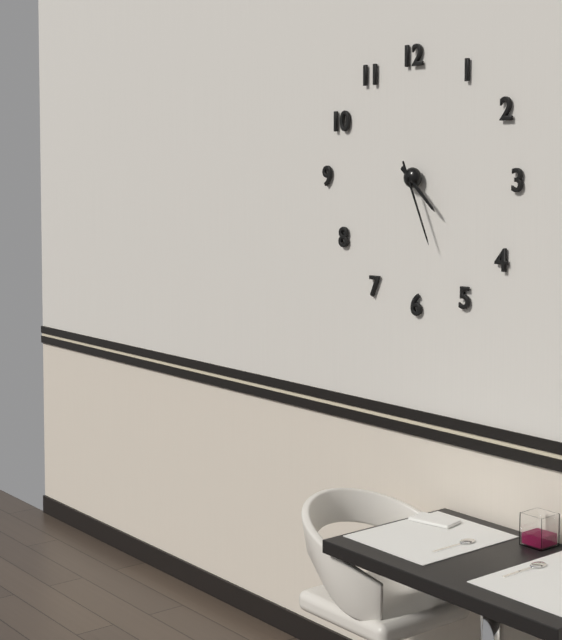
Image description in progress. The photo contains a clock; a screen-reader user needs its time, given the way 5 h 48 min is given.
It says 4 h 26 min
